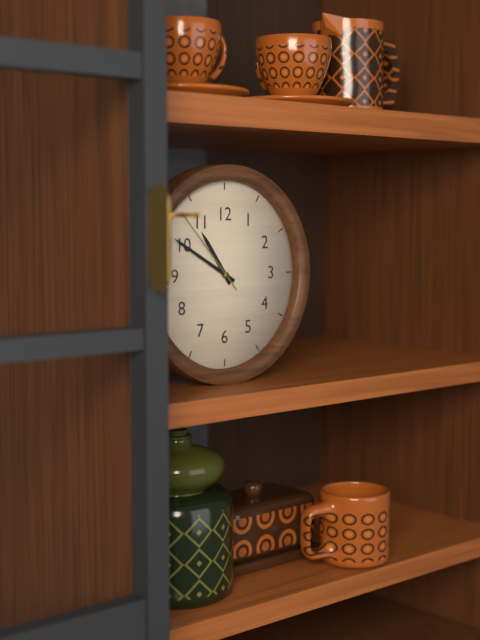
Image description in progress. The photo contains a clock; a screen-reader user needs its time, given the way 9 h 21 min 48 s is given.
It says 10 h 50 min 53 s
